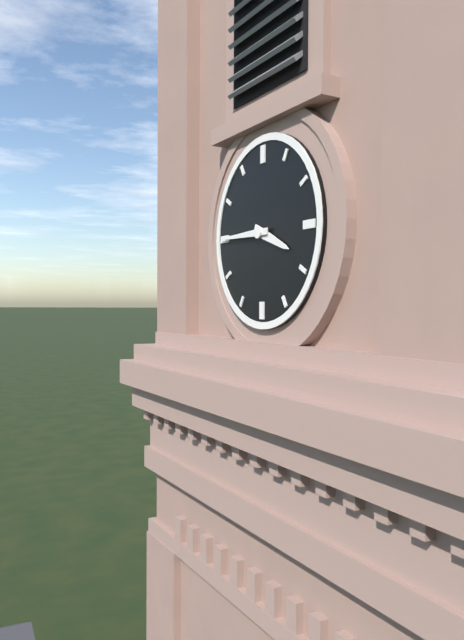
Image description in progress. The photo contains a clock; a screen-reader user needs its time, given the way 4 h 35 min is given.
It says 3 h 45 min
